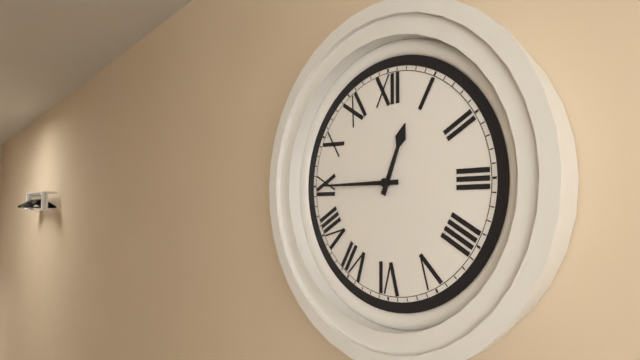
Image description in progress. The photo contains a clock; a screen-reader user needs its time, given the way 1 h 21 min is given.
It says 12 h 45 min
